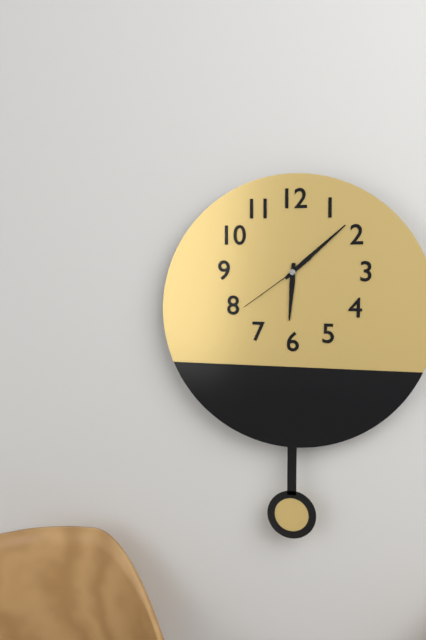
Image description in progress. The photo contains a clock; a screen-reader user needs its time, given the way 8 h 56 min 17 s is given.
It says 6 h 08 min 39 s
